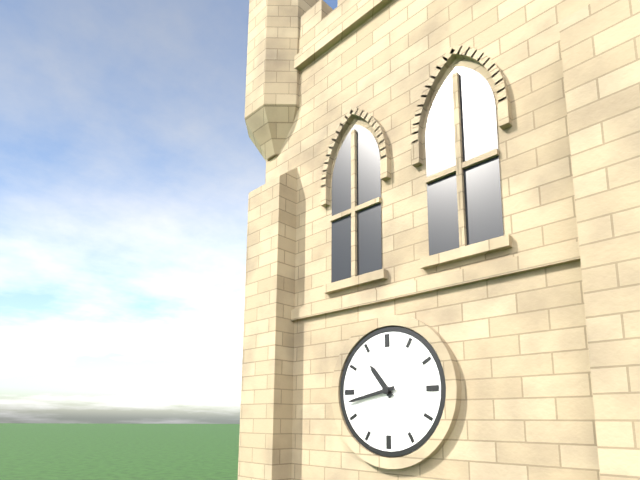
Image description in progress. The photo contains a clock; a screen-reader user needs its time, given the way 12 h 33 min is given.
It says 10 h 43 min
